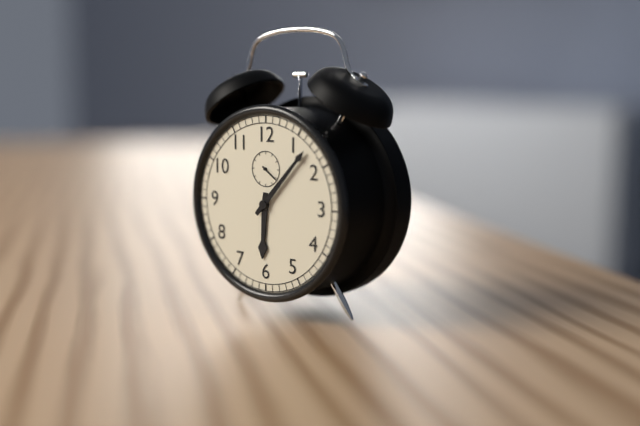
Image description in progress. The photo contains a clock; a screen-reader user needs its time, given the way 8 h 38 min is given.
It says 6 h 07 min
